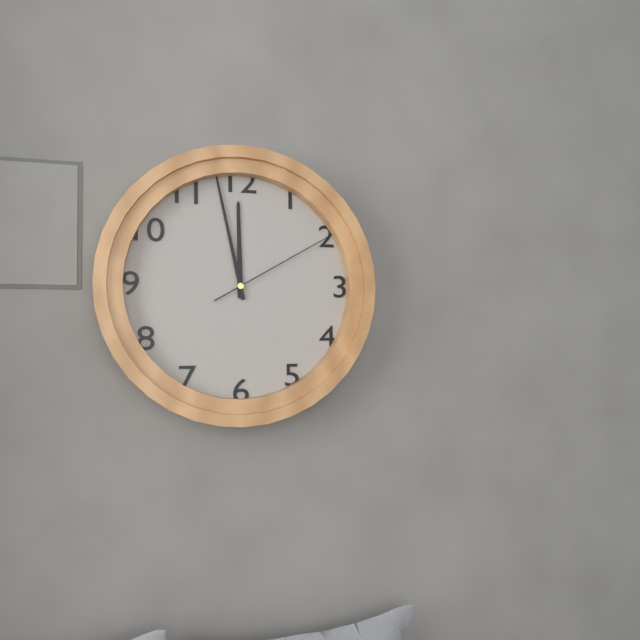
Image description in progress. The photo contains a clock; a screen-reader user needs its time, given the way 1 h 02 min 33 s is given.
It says 11 h 58 min 10 s
